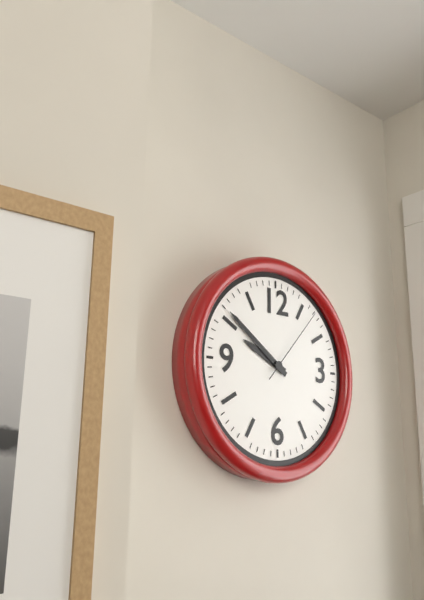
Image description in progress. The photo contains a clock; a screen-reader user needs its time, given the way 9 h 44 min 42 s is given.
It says 9 h 51 min 07 s
